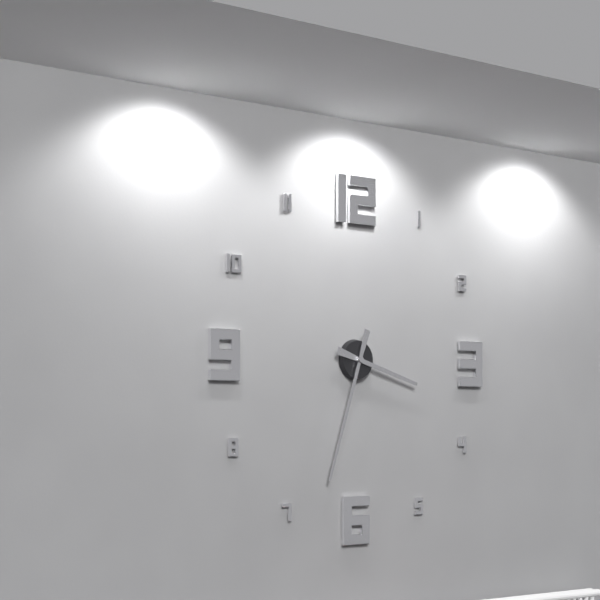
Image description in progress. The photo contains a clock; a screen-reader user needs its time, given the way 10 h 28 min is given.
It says 3 h 33 min
